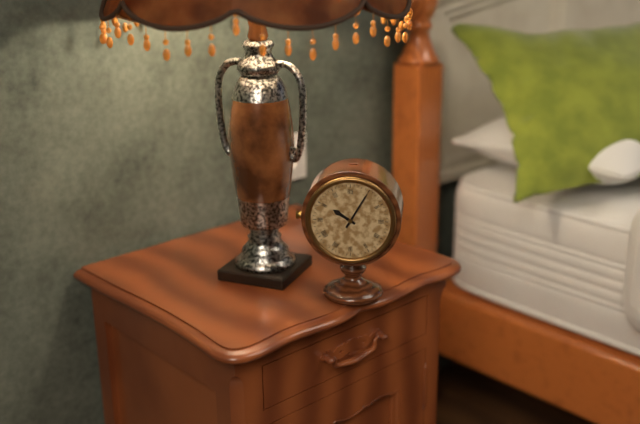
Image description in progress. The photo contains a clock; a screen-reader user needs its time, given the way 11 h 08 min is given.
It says 10 h 05 min
